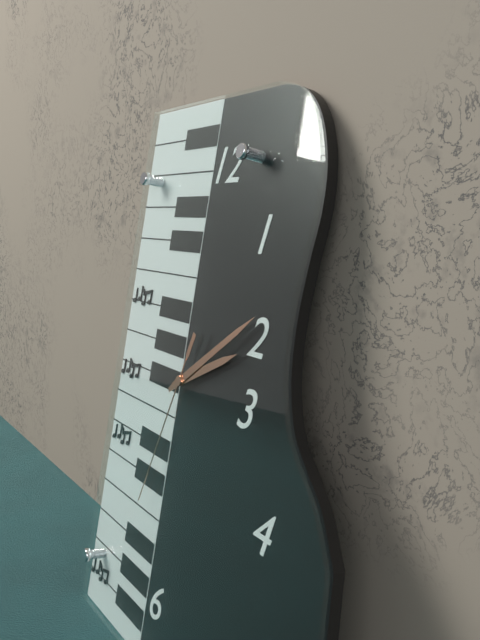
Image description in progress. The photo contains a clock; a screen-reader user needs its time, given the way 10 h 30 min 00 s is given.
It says 2 h 09 min 33 s
